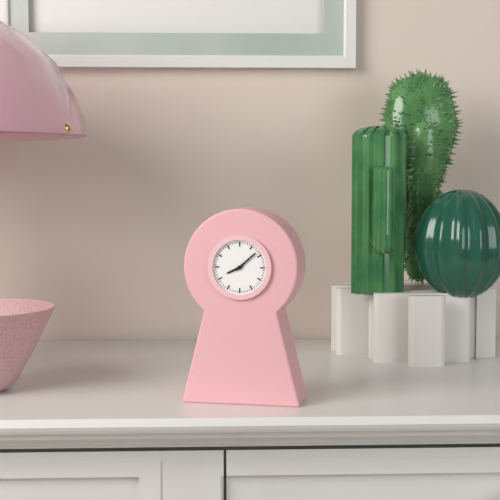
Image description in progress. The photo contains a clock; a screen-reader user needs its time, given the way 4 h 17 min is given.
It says 8 h 08 min
